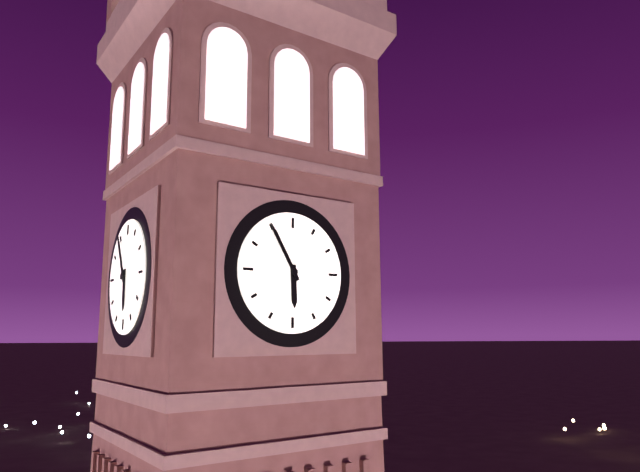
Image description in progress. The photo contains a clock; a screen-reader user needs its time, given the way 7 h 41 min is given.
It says 5 h 55 min
